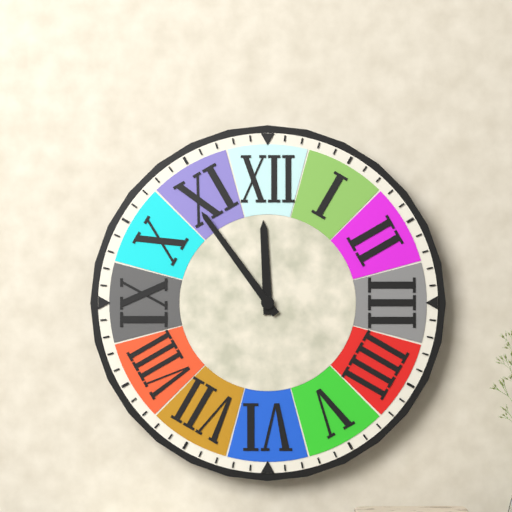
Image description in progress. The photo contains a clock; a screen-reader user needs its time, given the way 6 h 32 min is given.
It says 11 h 54 min
